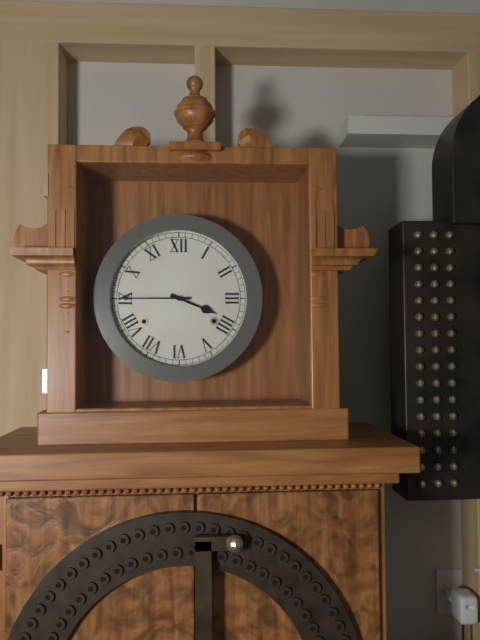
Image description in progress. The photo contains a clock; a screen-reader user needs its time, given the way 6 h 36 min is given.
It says 3 h 45 min
